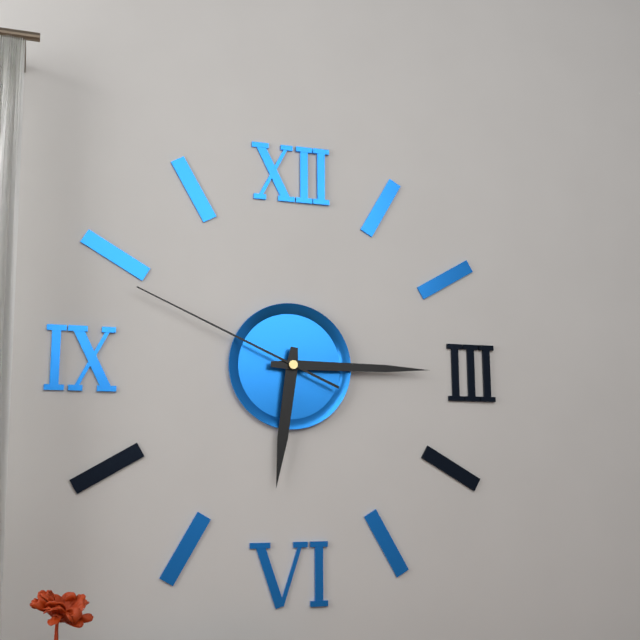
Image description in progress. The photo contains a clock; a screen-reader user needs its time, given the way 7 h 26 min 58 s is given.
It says 6 h 15 min 49 s
